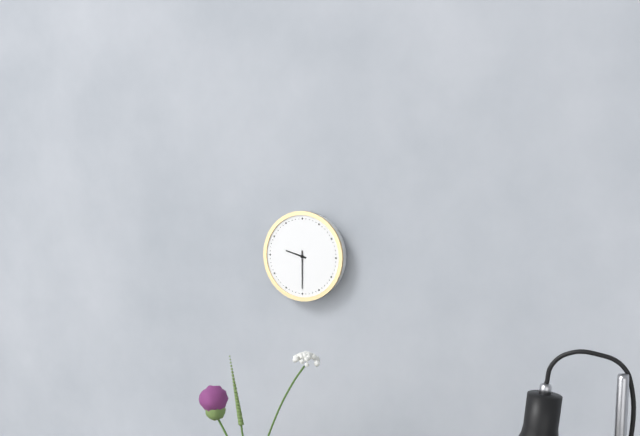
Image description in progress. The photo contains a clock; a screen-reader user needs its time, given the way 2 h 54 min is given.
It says 9 h 30 min
